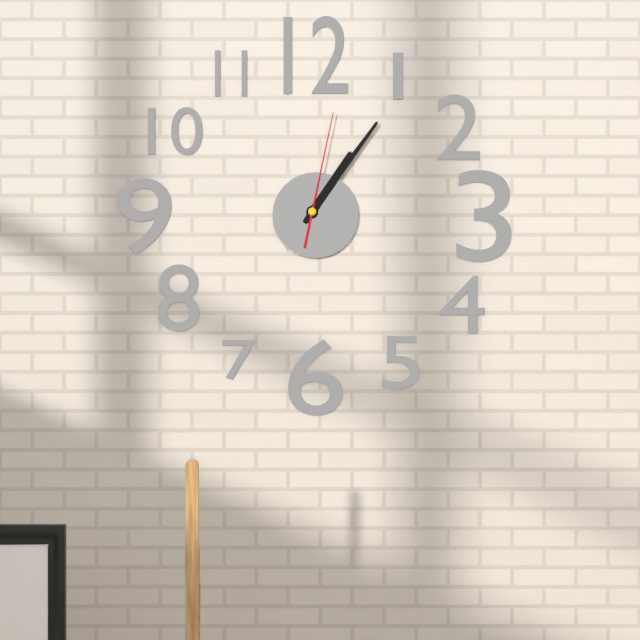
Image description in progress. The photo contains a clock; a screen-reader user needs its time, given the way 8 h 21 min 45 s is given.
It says 1 h 06 min 02 s
